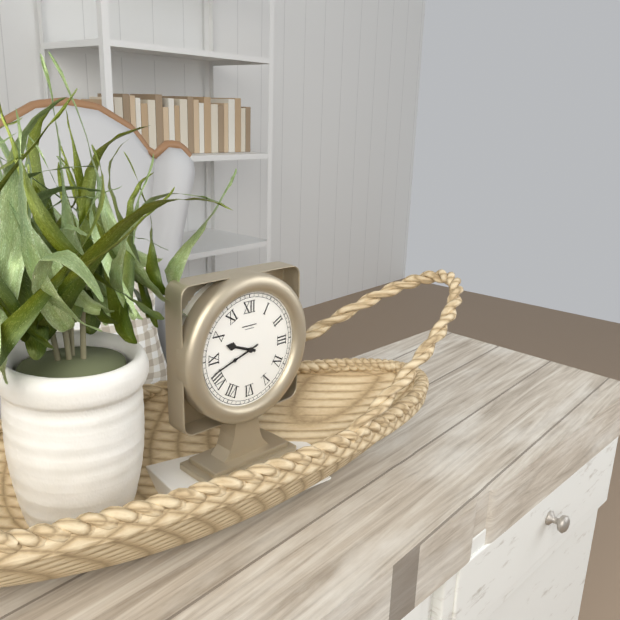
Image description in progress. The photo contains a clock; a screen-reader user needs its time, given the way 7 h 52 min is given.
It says 9 h 42 min
